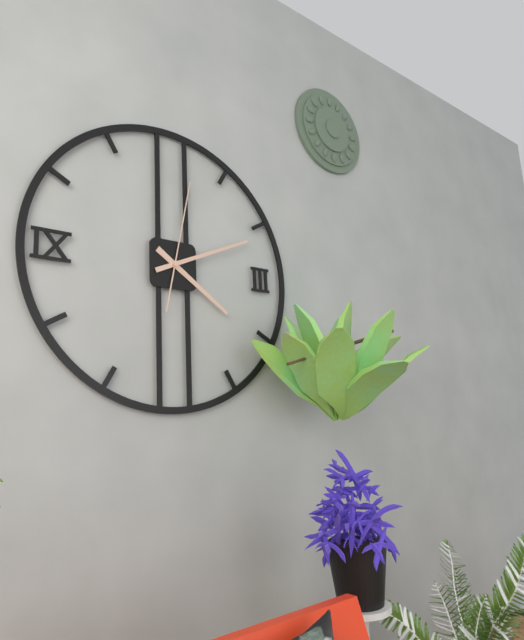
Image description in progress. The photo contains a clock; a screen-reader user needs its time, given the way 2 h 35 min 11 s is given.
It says 4 h 11 min 02 s
